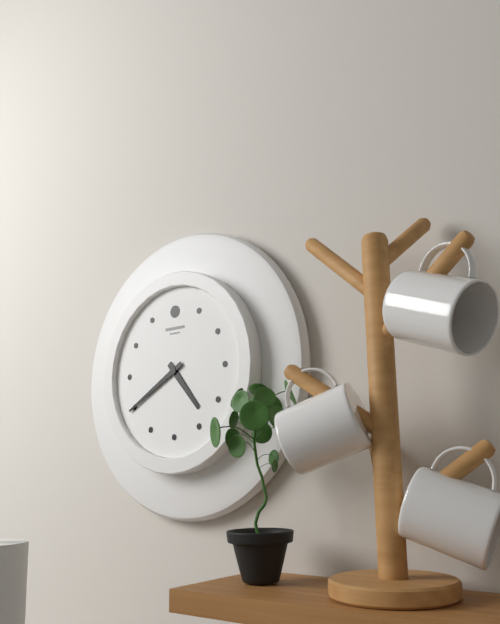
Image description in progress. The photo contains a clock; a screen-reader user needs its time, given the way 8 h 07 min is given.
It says 4 h 40 min
